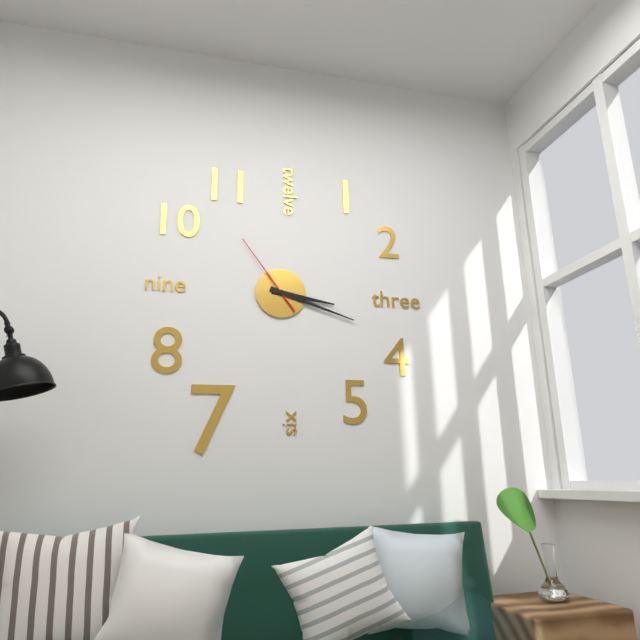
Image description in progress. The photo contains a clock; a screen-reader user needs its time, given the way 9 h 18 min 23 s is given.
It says 3 h 18 min 54 s
